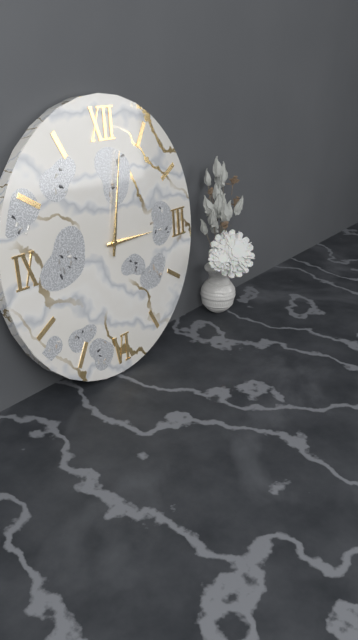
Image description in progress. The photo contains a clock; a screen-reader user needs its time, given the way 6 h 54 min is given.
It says 3 h 02 min
